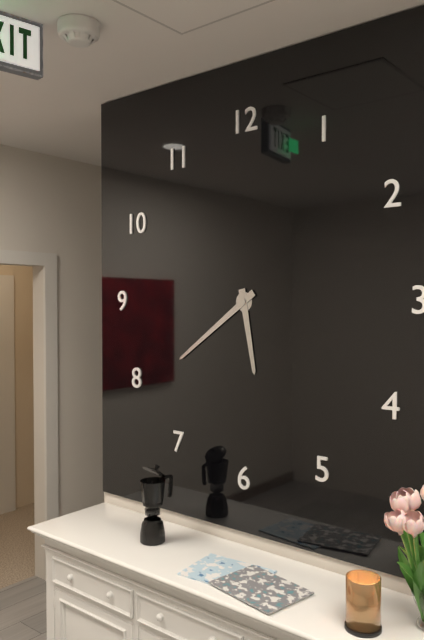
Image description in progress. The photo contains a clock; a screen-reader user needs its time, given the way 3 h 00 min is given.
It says 5 h 39 min
